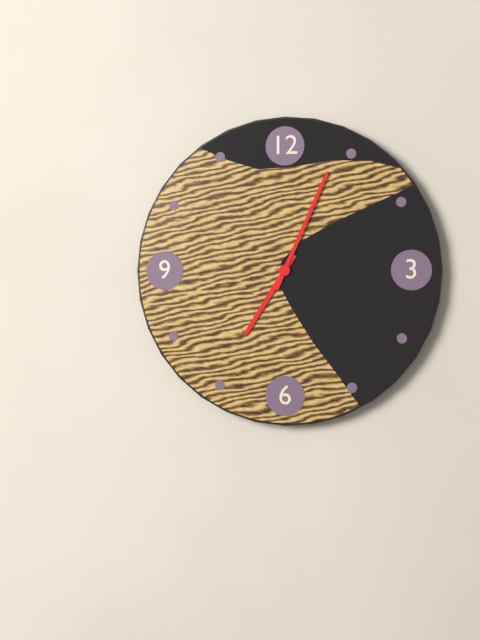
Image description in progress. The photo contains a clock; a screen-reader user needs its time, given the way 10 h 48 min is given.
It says 7 h 04 min
